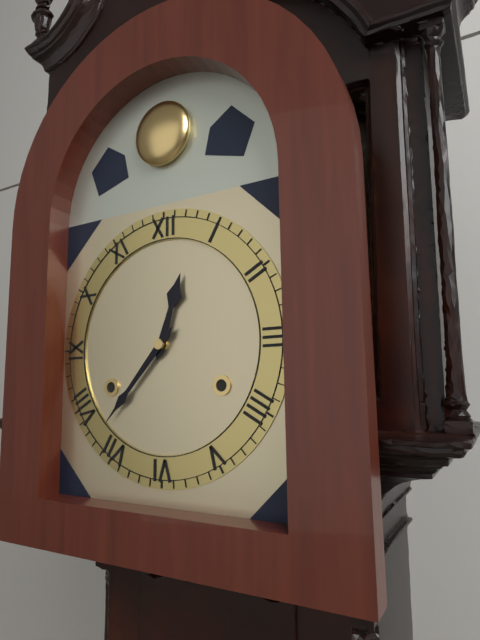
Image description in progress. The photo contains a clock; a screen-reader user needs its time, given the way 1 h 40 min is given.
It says 12 h 37 min
